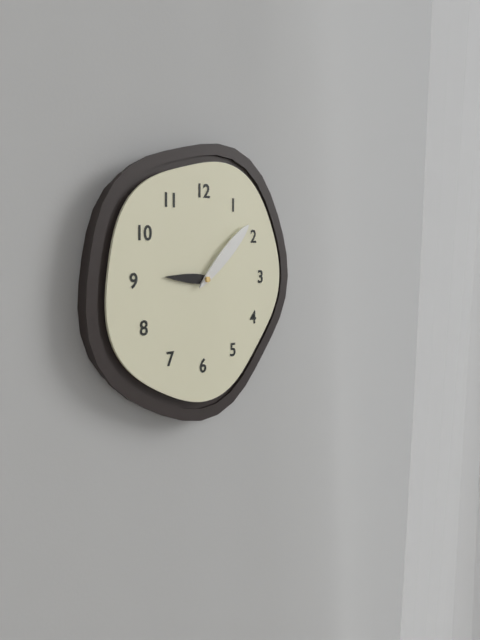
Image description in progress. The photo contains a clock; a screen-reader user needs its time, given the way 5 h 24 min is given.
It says 9 h 08 min
